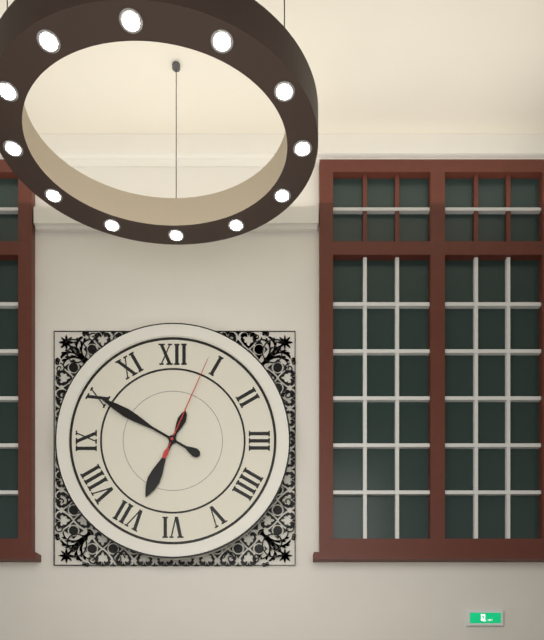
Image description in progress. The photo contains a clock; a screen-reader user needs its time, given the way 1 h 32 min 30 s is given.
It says 6 h 50 min 04 s
